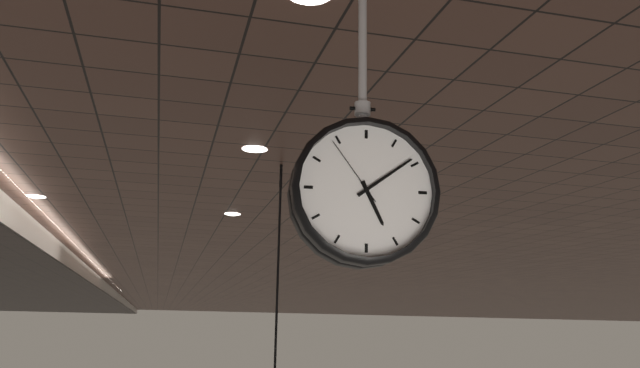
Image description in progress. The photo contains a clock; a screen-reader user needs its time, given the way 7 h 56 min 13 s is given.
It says 5 h 09 min 54 s
